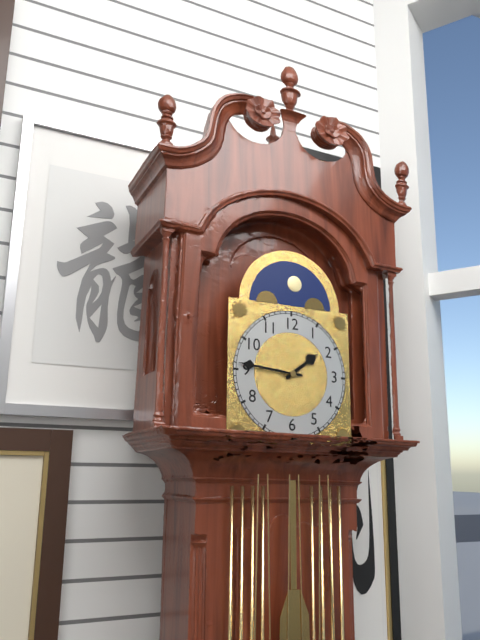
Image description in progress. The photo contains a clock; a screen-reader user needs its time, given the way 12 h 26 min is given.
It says 1 h 46 min
